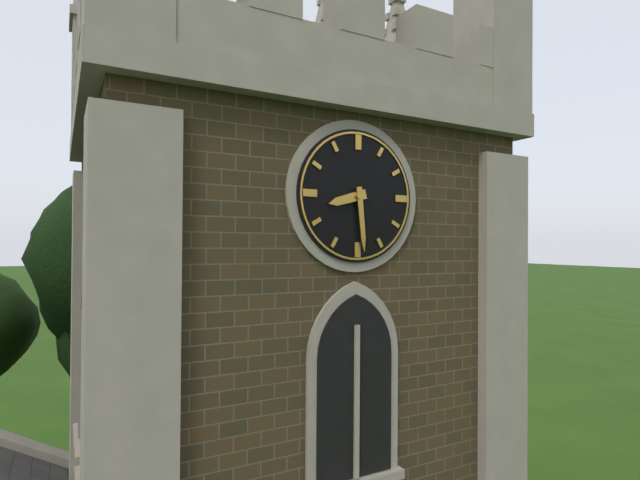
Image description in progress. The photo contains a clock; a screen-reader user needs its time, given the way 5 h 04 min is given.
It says 8 h 29 min
